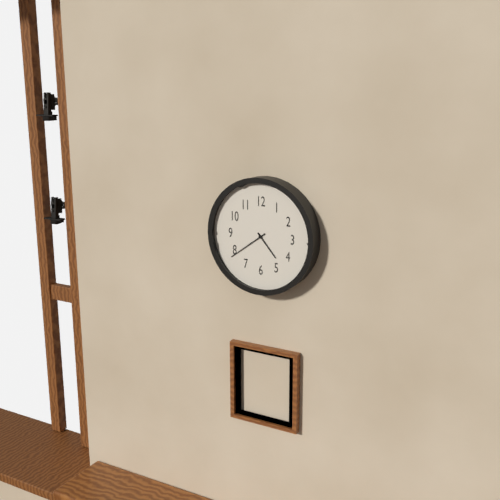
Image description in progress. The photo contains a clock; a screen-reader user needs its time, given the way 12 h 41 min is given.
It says 4 h 39 min
